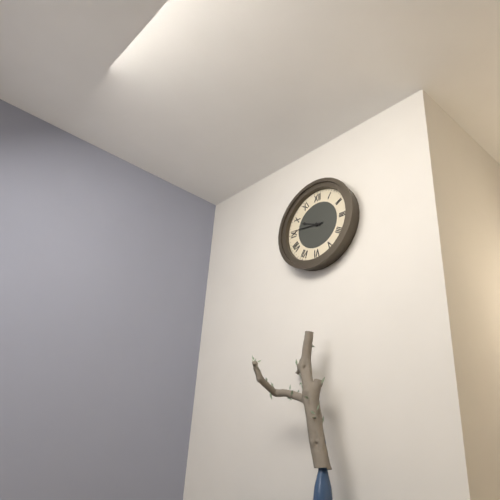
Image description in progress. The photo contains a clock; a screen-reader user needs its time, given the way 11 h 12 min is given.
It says 9 h 46 min
